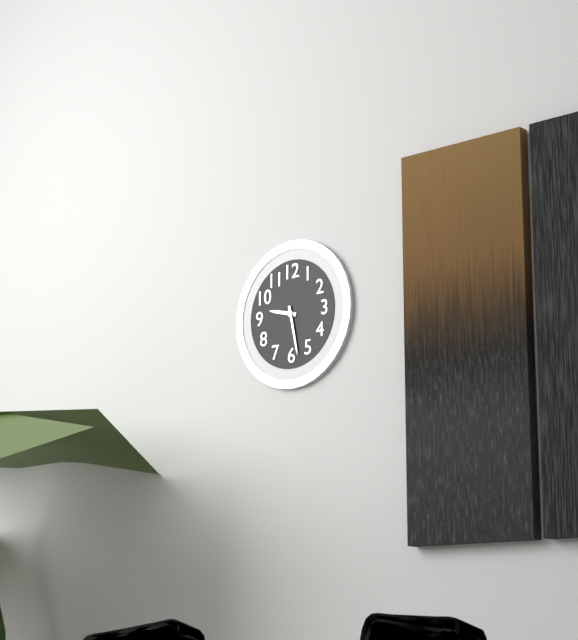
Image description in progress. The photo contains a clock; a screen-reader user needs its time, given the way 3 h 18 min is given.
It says 9 h 28 min
